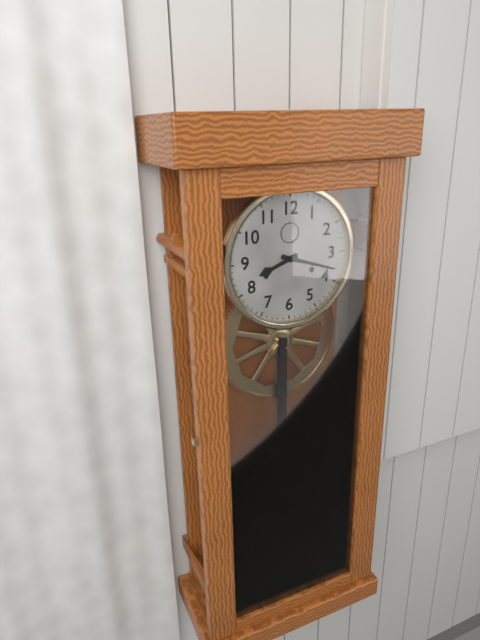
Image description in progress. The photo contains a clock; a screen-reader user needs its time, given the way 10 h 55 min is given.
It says 8 h 18 min
